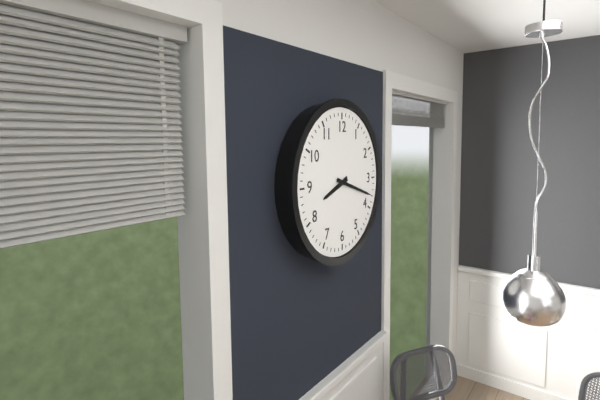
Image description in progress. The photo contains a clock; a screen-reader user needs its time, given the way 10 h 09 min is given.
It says 8 h 18 min
